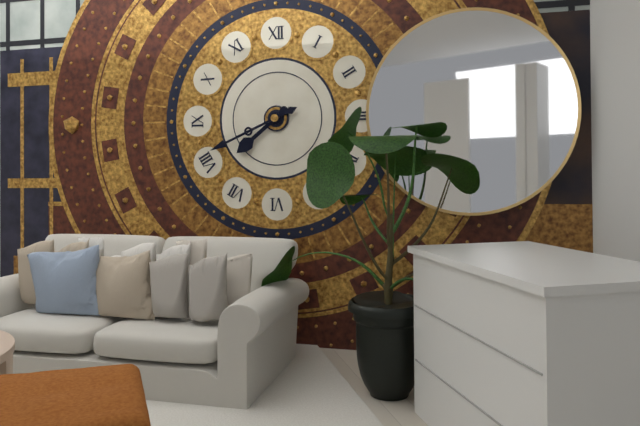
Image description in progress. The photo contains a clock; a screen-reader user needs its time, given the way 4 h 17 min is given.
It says 7 h 41 min
